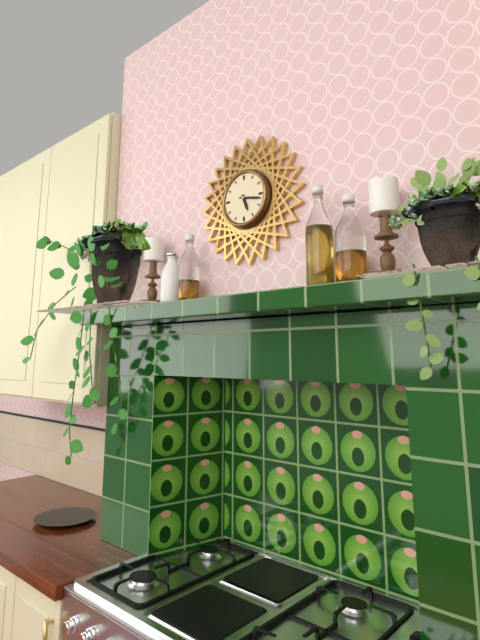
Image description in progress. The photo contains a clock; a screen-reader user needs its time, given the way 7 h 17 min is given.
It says 5 h 17 min
